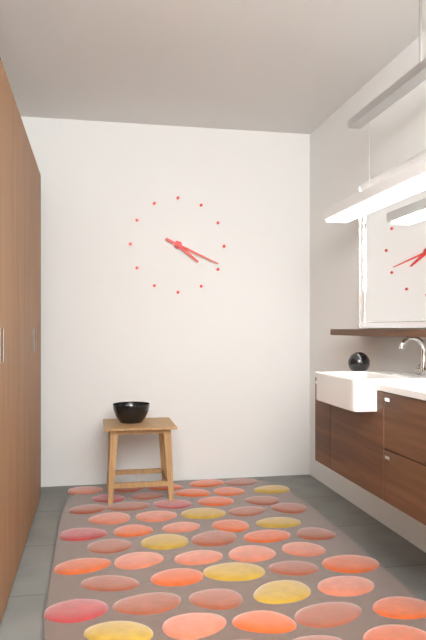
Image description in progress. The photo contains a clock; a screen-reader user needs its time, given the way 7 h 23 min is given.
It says 4 h 19 min
